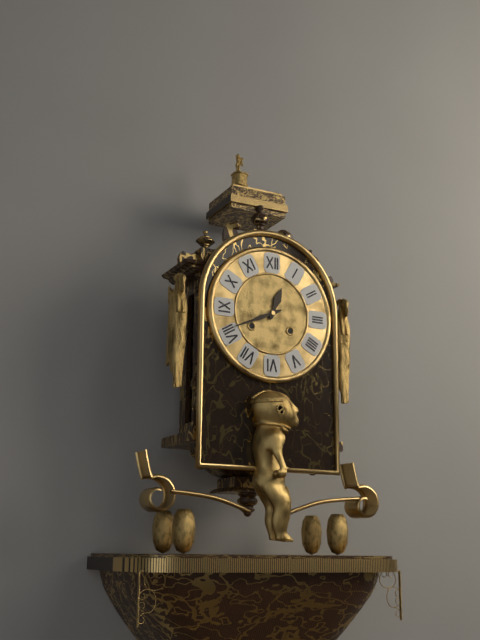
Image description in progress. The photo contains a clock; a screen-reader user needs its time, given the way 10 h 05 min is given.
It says 12 h 41 min
